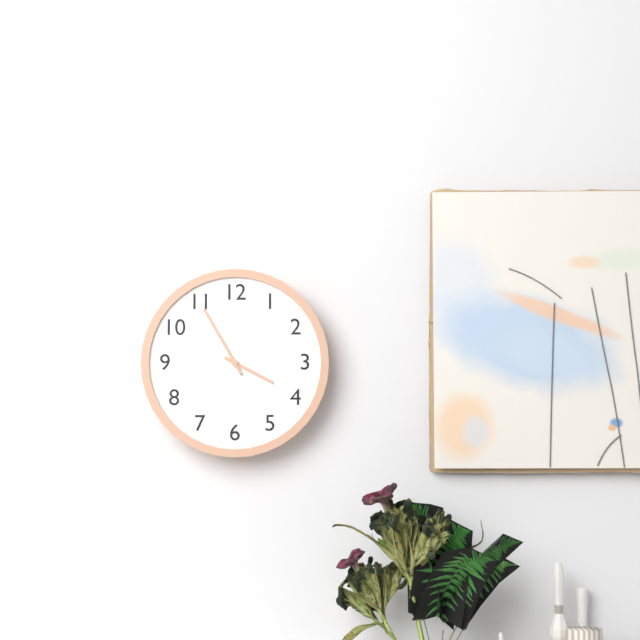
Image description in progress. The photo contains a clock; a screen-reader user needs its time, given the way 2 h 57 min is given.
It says 3 h 55 min
